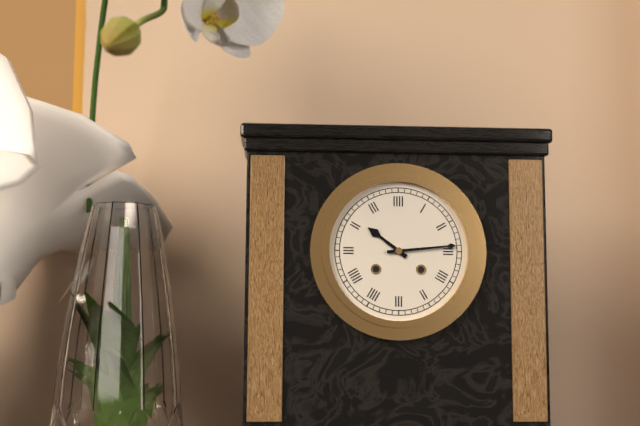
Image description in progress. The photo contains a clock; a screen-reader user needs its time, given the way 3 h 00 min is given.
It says 10 h 14 min
